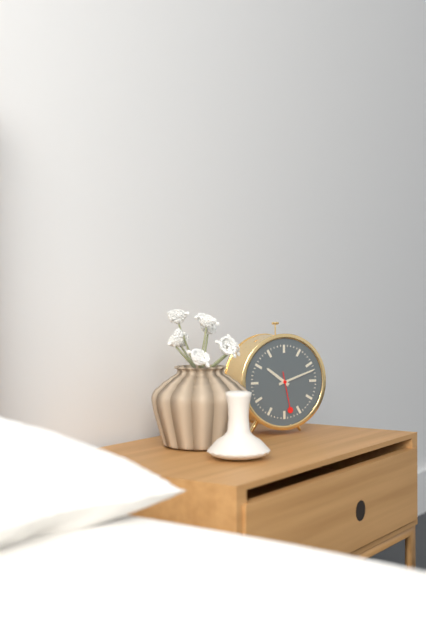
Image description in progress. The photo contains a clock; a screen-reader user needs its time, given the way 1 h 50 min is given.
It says 10 h 12 min
